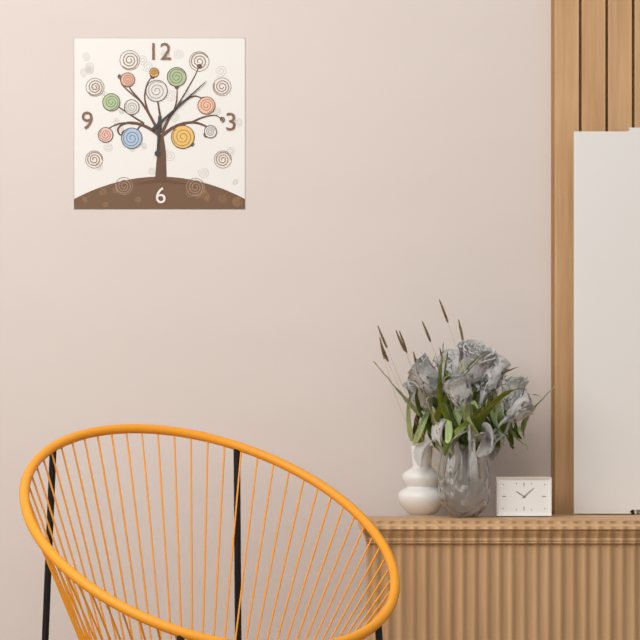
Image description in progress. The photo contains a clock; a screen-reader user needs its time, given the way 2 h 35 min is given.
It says 6 h 08 min
